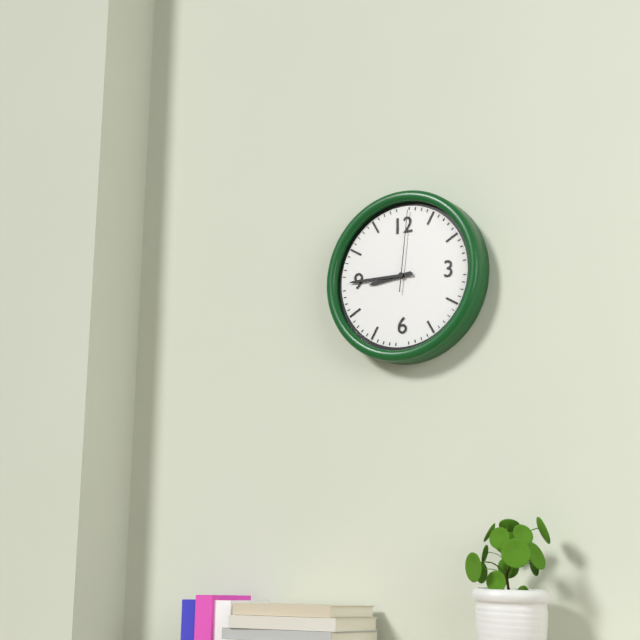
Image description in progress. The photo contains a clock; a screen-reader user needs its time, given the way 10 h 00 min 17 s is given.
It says 8 h 45 min 01 s
